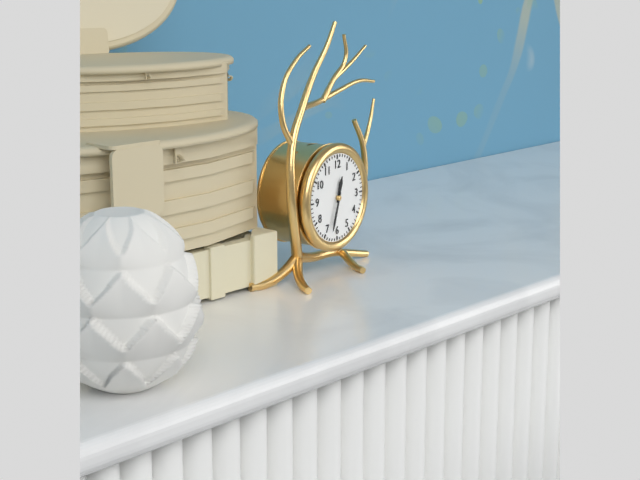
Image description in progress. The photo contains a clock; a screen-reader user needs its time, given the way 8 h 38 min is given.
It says 12 h 33 min
